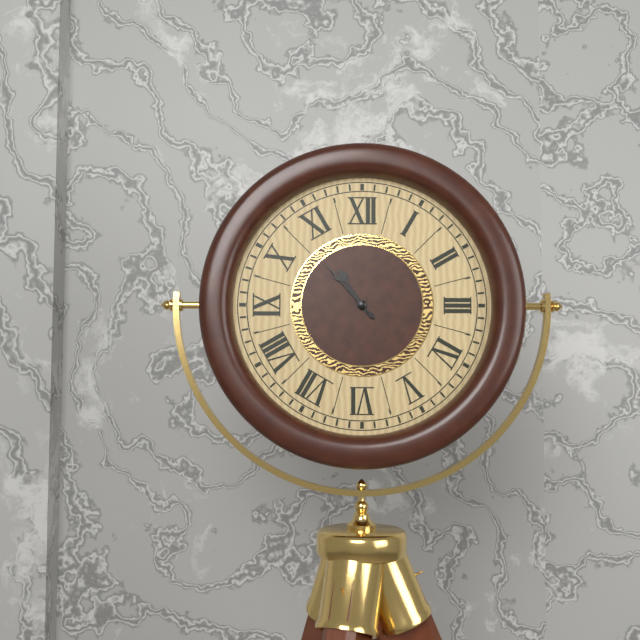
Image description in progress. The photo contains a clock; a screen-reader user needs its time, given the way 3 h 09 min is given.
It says 10 h 53 min
